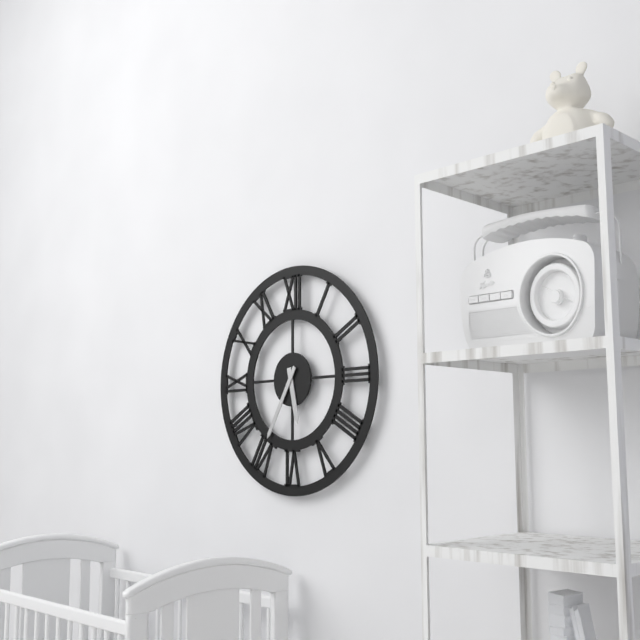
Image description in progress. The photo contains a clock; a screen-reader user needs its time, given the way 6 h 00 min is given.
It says 5 h 35 min
